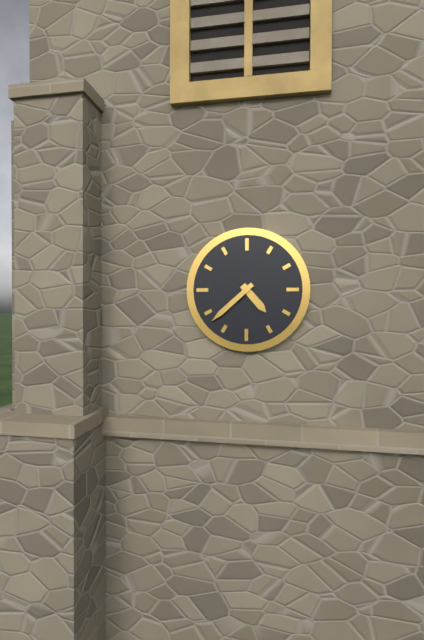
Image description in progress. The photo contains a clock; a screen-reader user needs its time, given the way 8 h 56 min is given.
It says 4 h 38 min
